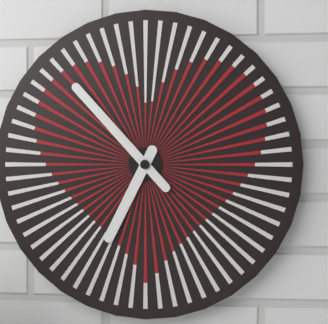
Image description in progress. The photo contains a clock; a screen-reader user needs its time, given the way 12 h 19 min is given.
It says 6 h 53 min
